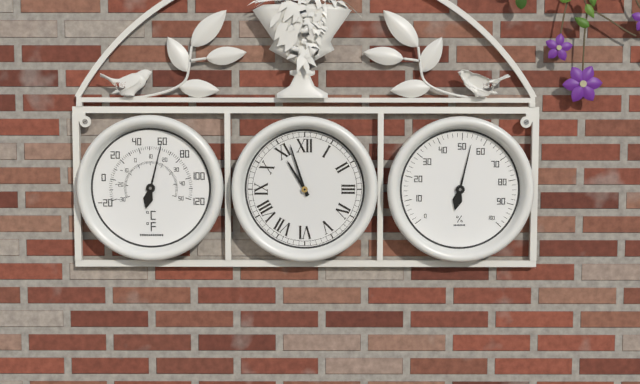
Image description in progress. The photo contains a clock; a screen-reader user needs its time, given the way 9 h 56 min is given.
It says 10 h 57 min
